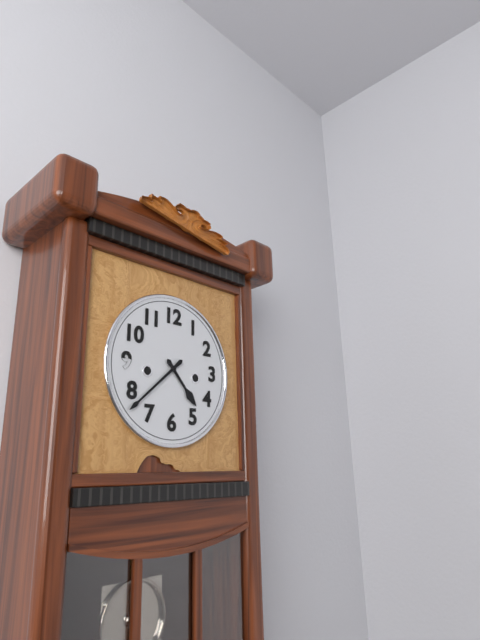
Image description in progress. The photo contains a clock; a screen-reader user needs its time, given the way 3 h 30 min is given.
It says 4 h 38 min
